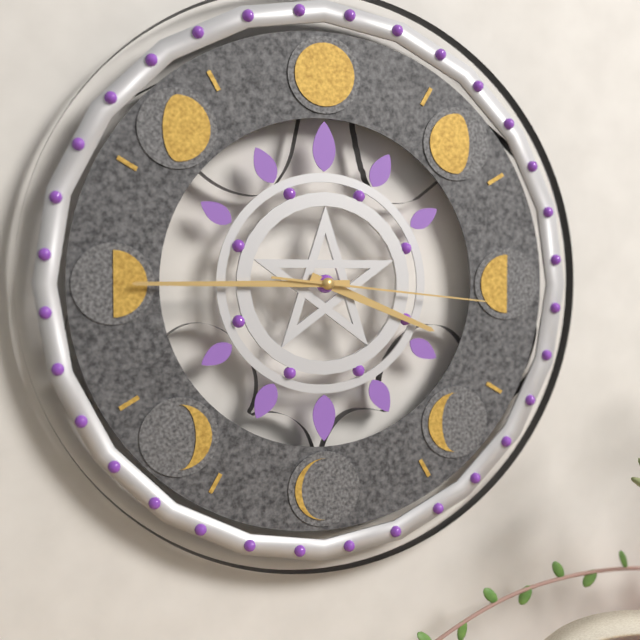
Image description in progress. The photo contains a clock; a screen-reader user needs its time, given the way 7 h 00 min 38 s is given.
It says 3 h 45 min 16 s
